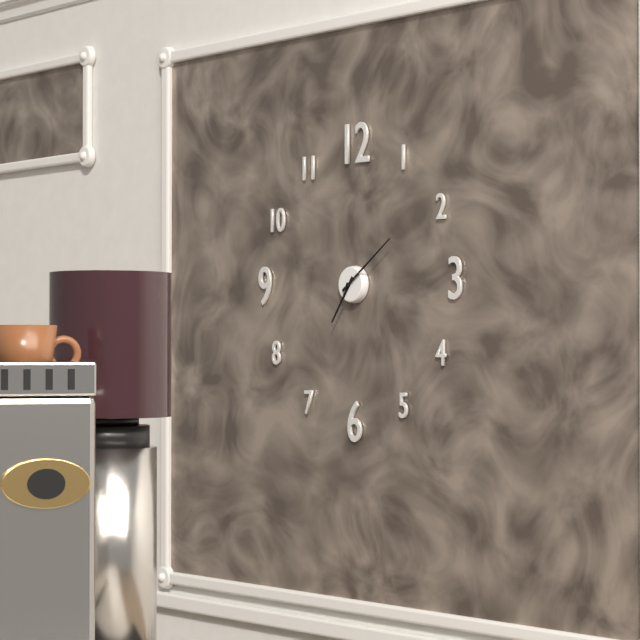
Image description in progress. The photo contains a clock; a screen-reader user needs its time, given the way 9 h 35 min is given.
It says 7 h 09 min
